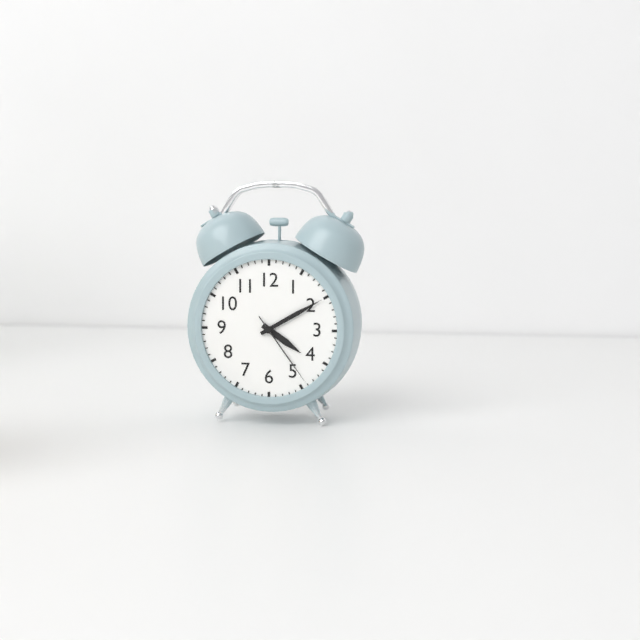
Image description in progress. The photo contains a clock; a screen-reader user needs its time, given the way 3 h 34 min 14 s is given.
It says 4 h 10 min 24 s
